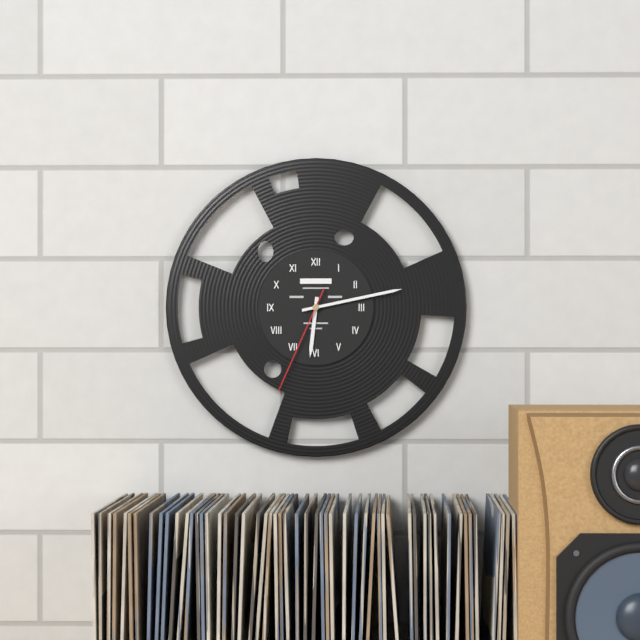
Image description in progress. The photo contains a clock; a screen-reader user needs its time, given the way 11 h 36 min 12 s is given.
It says 6 h 13 min 34 s
